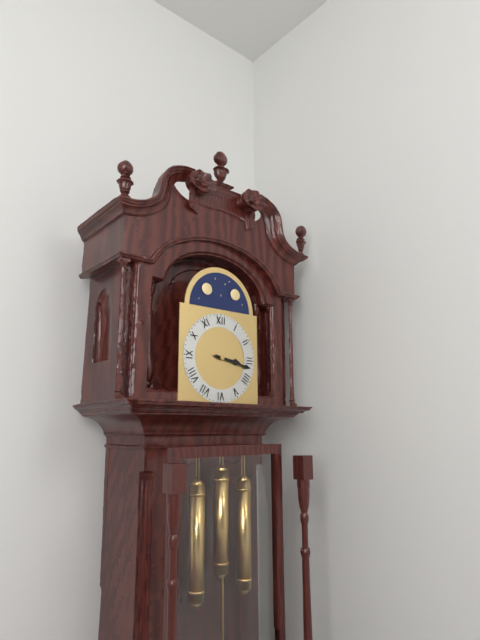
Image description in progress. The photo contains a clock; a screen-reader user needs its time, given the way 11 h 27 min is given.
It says 3 h 17 min
